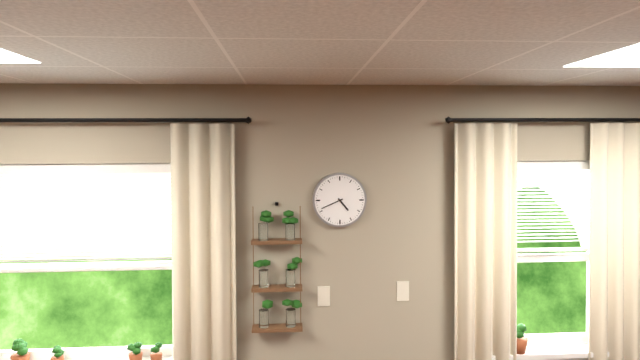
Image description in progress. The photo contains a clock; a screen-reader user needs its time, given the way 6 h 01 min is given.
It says 4 h 41 min
